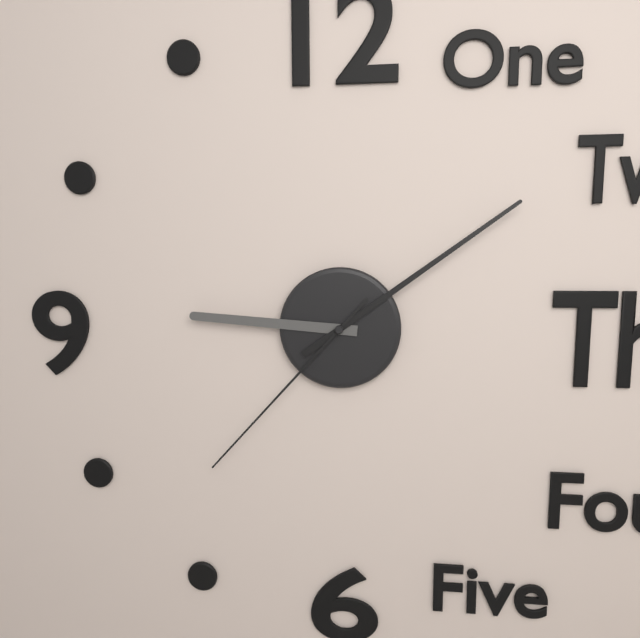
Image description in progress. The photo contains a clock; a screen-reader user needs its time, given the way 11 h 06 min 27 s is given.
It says 9 h 09 min 37 s
